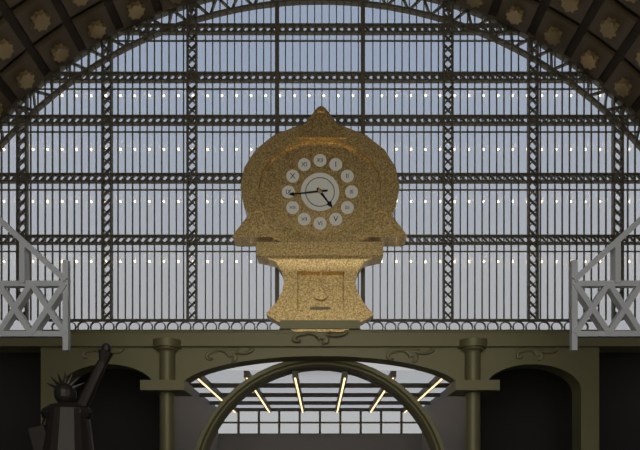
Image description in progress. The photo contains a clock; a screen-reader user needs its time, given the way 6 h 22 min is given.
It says 4 h 44 min
